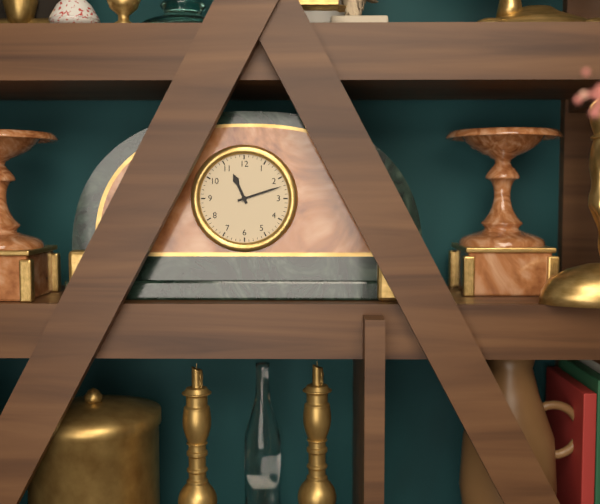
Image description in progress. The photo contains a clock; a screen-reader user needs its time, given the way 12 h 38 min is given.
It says 11 h 12 min
